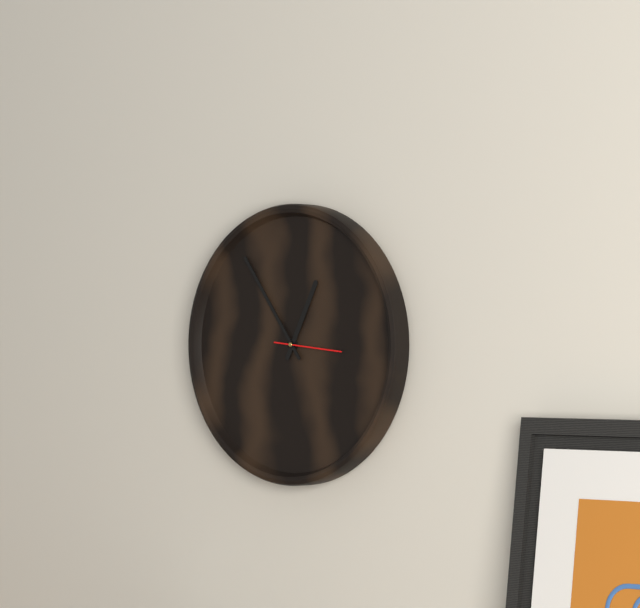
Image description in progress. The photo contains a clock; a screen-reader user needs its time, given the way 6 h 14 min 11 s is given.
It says 12 h 54 min 16 s
